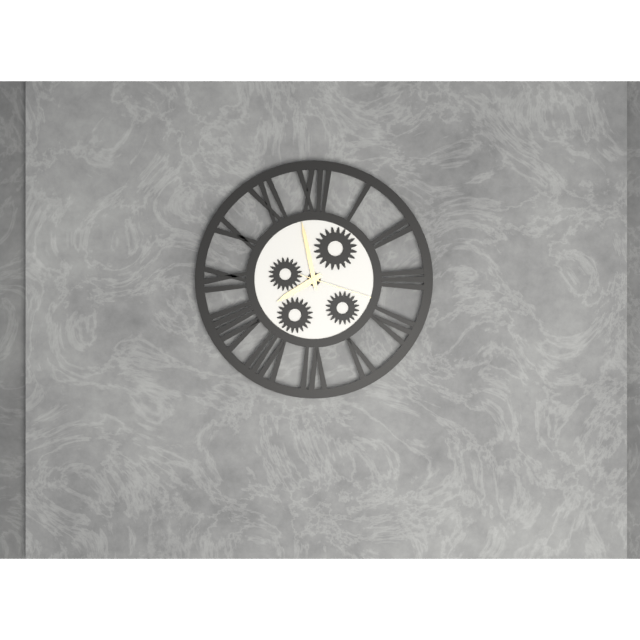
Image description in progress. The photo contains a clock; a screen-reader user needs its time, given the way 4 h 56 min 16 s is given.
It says 7 h 58 min 18 s
